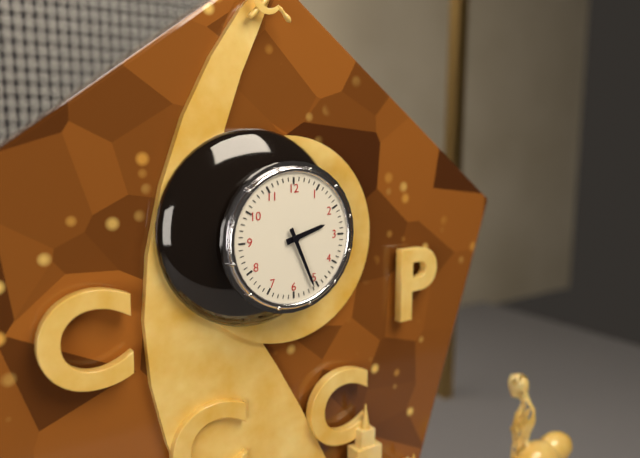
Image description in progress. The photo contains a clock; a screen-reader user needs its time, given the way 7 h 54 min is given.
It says 2 h 26 min
